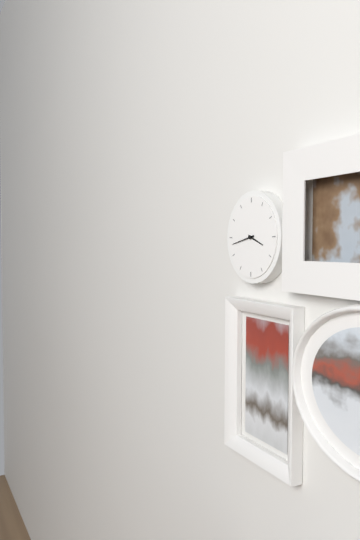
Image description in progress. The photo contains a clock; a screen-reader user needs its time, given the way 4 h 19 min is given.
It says 3 h 43 min
